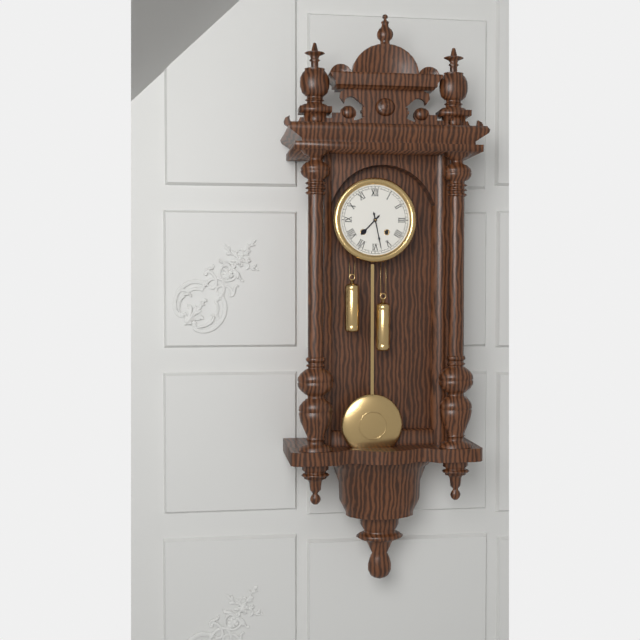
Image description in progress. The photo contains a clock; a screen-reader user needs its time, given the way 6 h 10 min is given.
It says 7 h 28 min
